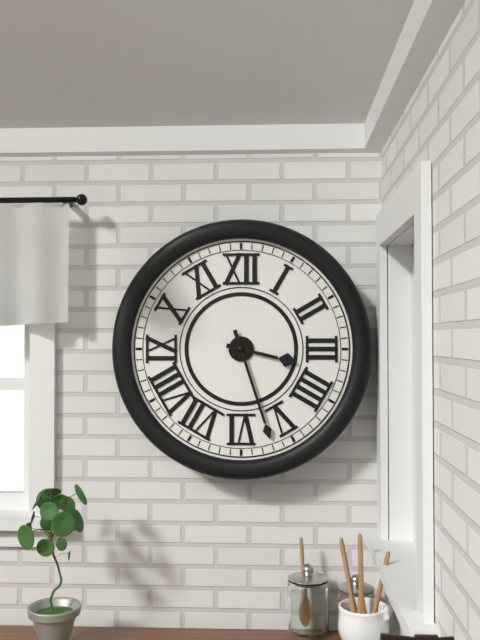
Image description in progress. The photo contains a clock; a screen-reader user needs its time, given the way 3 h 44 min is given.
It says 3 h 27 min
